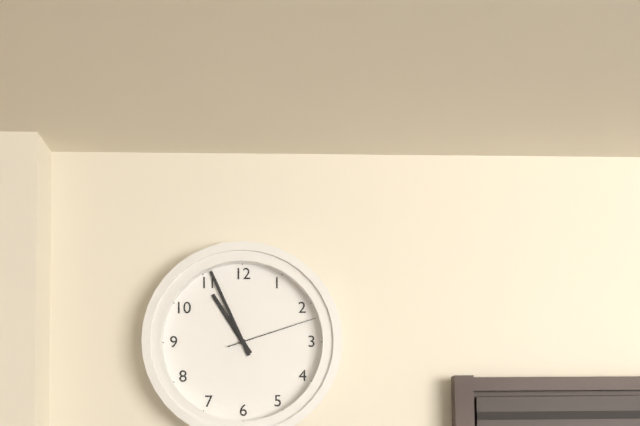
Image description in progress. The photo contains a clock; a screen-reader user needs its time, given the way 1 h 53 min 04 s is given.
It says 10 h 56 min 12 s
